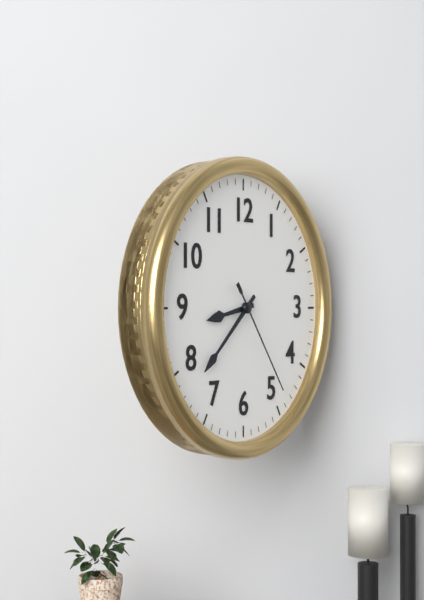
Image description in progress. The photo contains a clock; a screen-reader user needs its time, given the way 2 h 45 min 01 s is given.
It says 8 h 38 min 24 s
